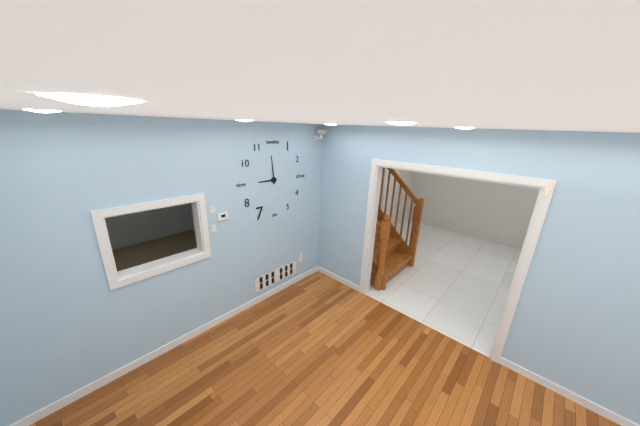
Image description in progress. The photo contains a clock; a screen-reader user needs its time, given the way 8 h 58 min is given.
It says 8 h 59 min
